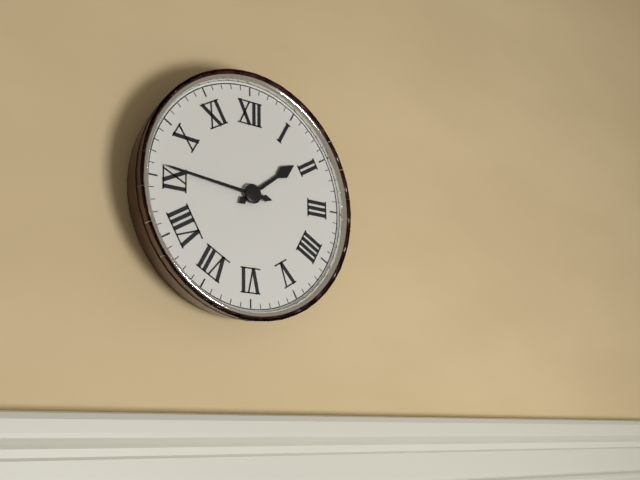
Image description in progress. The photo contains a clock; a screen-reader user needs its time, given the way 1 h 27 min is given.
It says 1 h 46 min
